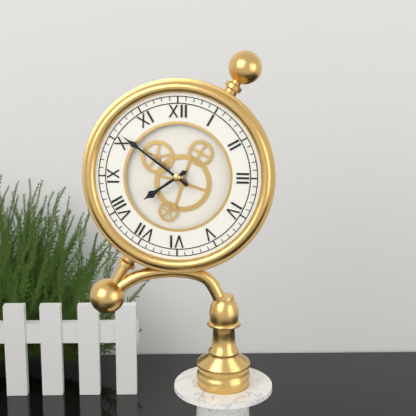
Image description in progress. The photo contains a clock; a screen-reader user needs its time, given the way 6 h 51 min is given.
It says 7 h 51 min
